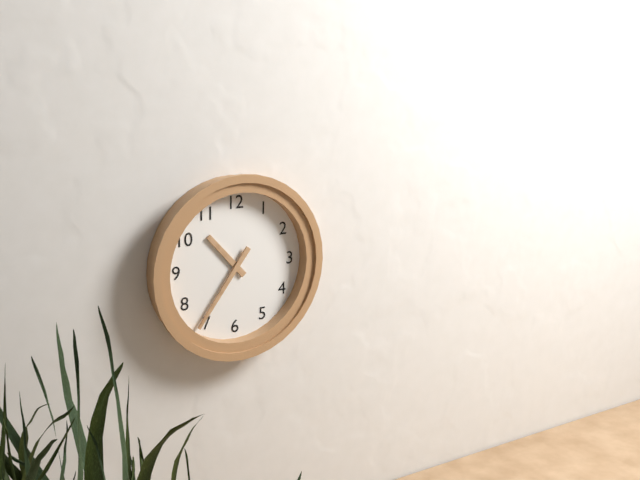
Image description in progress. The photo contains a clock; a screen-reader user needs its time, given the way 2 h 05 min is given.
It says 10 h 36 min
